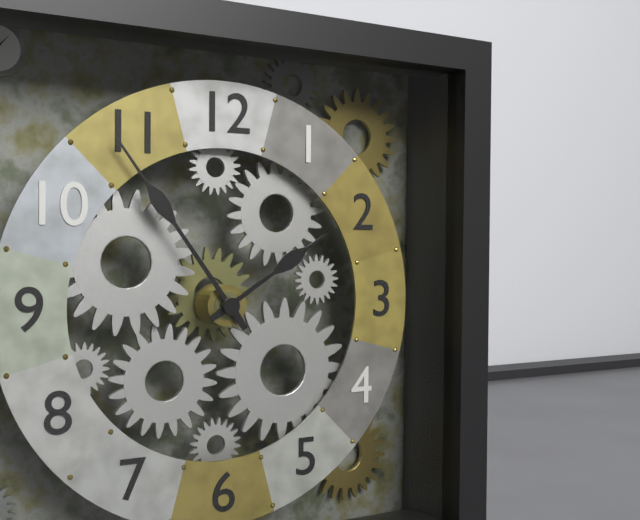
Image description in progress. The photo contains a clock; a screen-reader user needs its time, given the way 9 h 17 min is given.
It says 1 h 54 min
